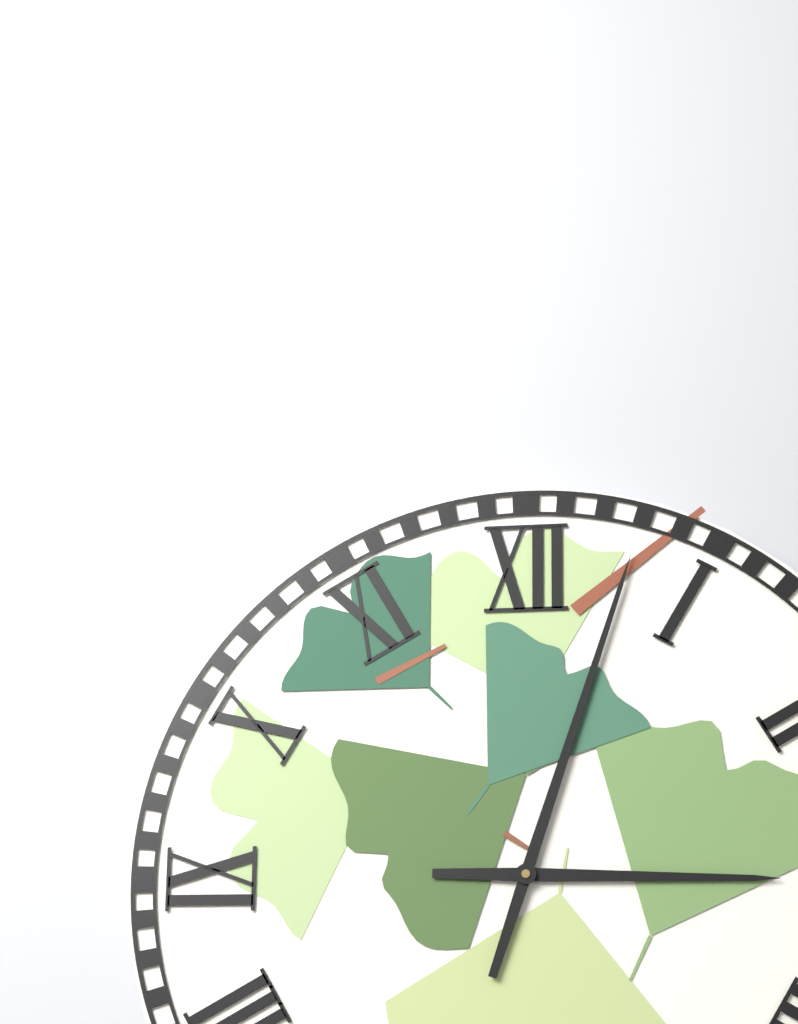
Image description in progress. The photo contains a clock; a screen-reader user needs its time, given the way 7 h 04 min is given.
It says 3 h 03 min
